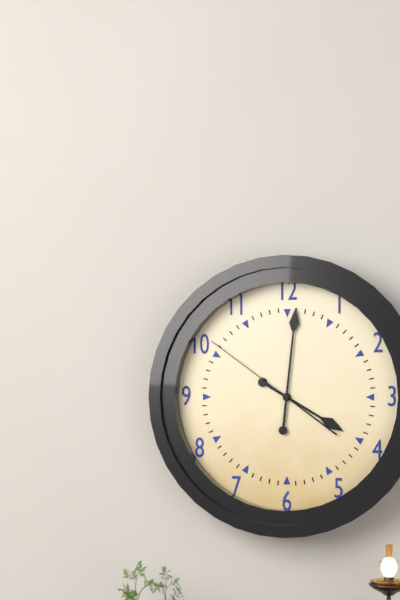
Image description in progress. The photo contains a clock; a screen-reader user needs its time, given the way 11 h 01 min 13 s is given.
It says 4 h 01 min 51 s
